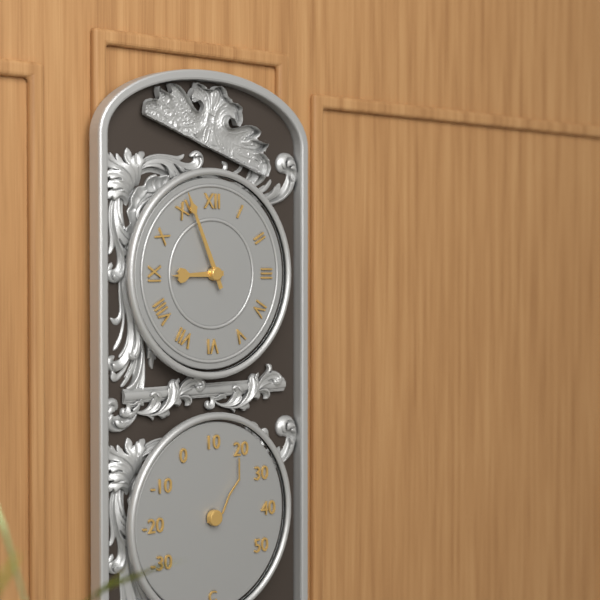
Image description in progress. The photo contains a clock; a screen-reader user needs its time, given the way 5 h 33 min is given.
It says 8 h 56 min
